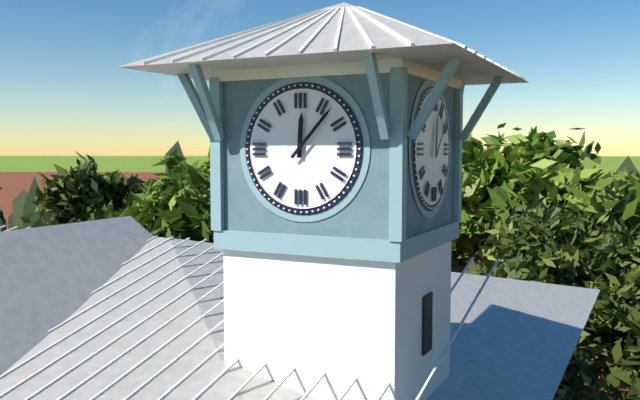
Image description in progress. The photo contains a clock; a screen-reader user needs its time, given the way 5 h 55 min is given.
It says 12 h 07 min
